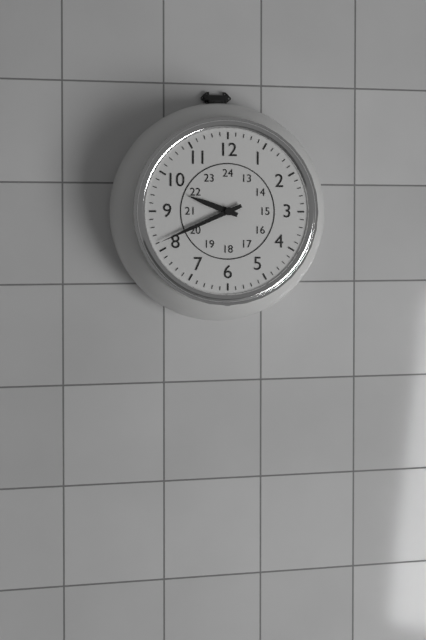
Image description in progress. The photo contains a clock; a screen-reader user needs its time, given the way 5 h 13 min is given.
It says 9 h 41 min
